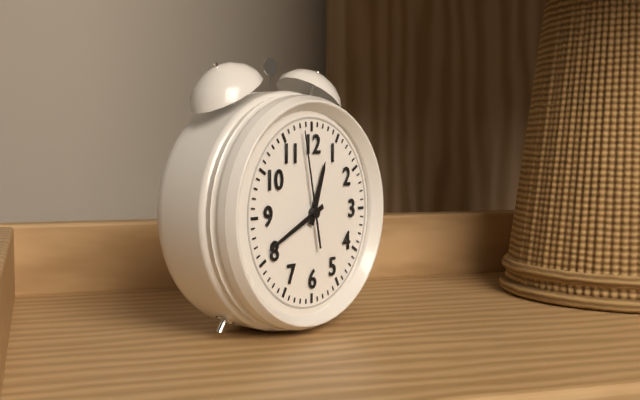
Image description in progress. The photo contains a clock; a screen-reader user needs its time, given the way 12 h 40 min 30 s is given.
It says 12 h 41 min 58 s
